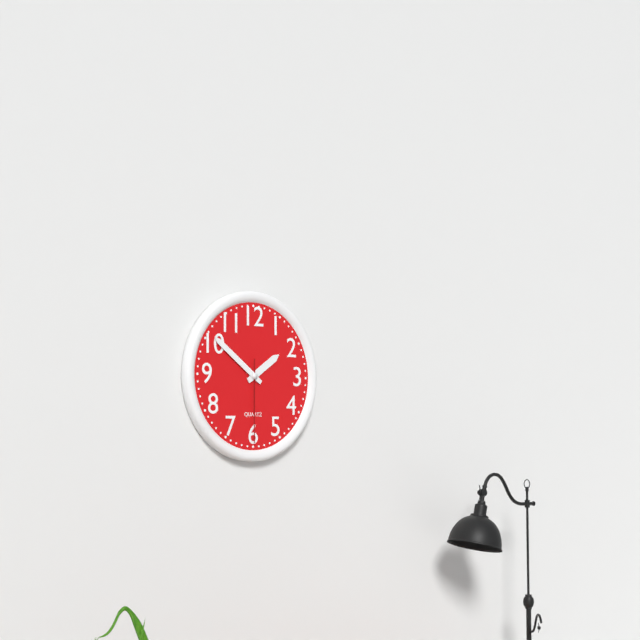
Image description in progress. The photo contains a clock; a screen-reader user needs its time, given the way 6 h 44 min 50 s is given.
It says 1 h 51 min 30 s
